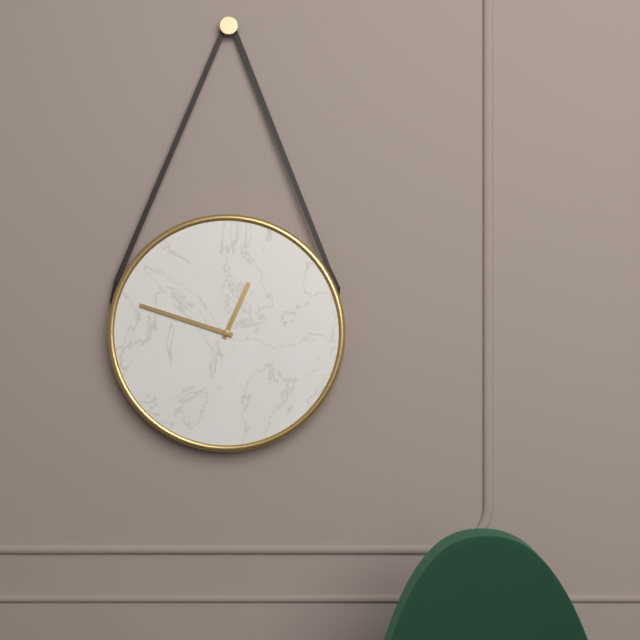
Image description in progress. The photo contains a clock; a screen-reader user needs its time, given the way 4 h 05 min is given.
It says 12 h 48 min
